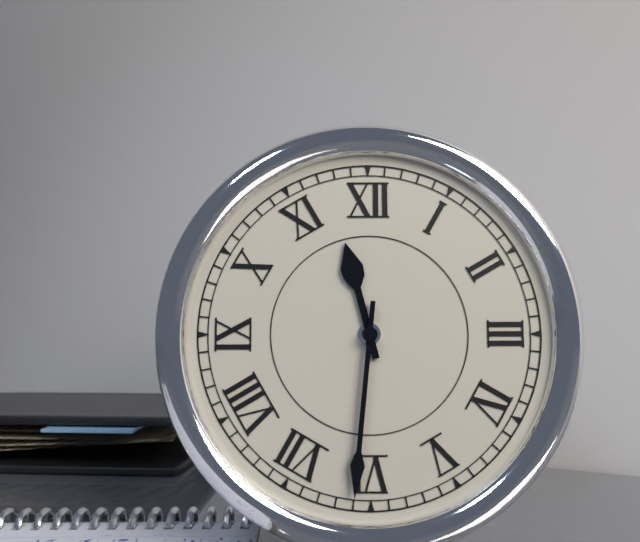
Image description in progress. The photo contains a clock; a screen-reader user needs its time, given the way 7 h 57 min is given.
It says 11 h 31 min
